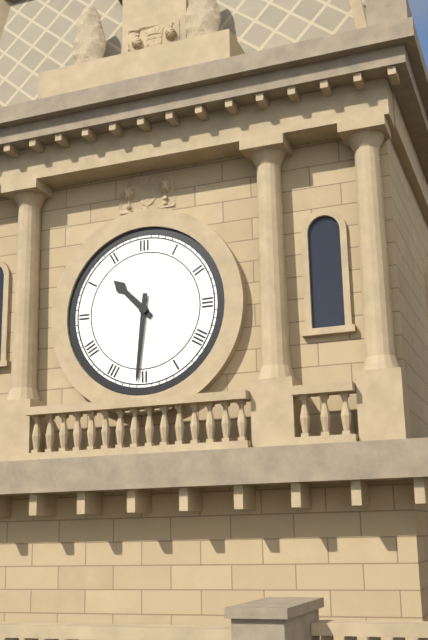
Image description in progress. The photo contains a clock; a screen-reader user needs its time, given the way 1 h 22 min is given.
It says 10 h 31 min
